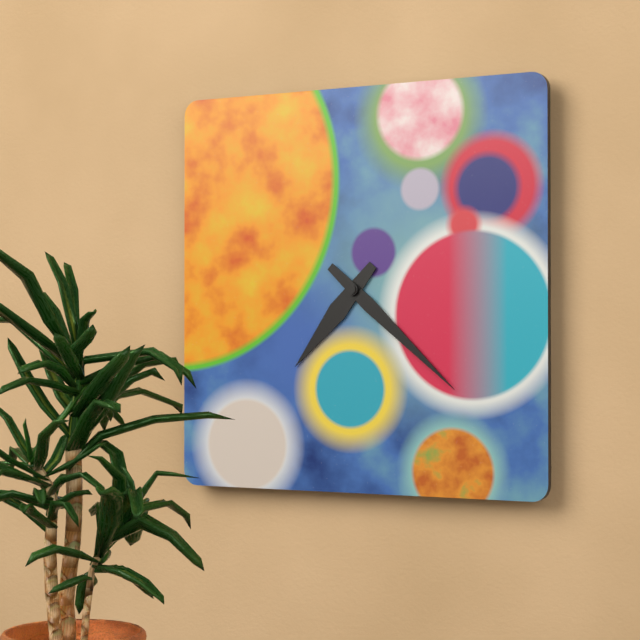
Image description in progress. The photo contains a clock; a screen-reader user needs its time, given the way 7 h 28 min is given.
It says 7 h 22 min
